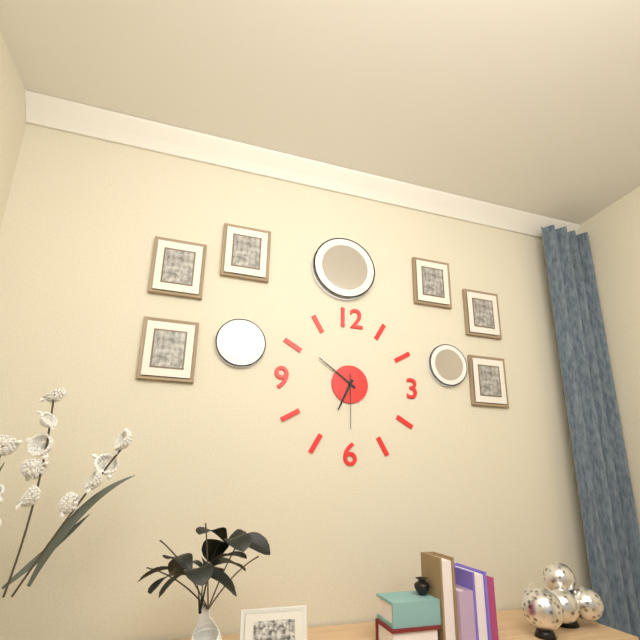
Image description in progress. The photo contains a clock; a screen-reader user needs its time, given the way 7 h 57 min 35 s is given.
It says 6 h 51 min 30 s
